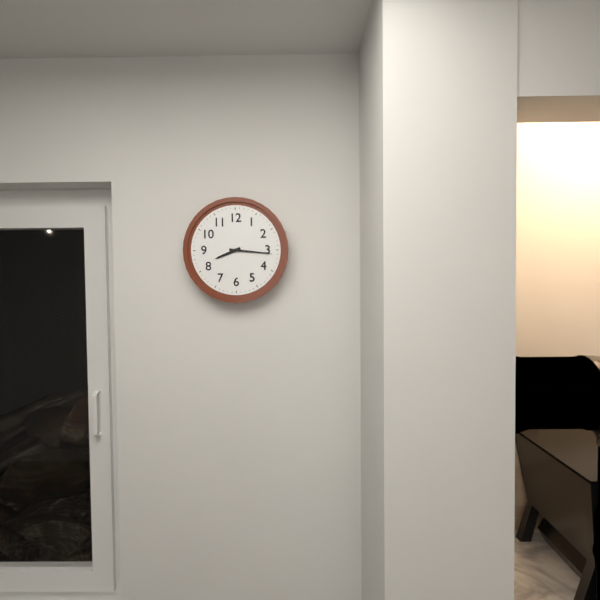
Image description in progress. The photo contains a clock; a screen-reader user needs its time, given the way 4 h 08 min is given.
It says 8 h 16 min
